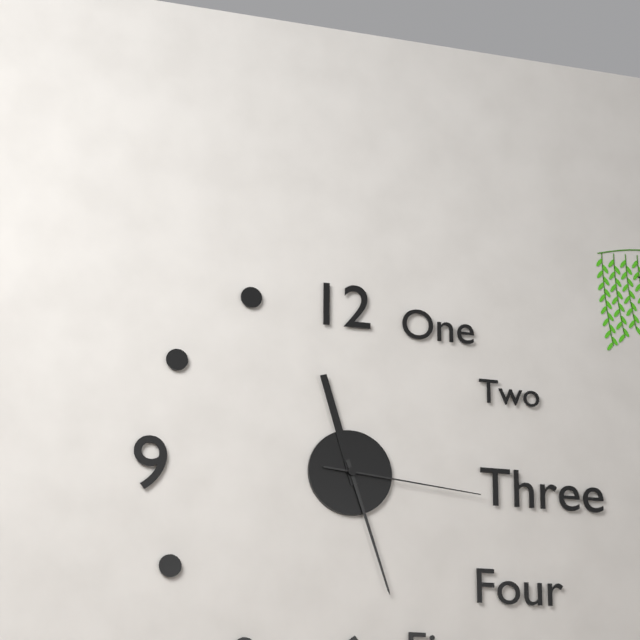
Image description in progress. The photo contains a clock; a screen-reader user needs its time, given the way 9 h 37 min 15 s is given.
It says 11 h 27 min 16 s
